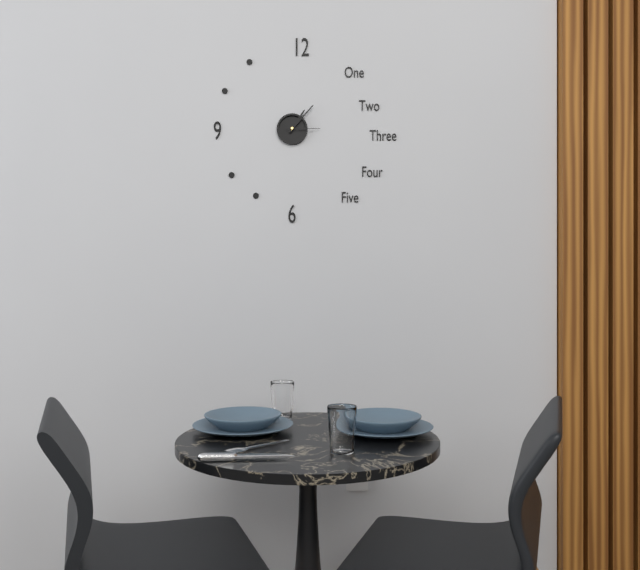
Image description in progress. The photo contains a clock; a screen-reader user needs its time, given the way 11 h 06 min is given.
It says 1 h 07 min
